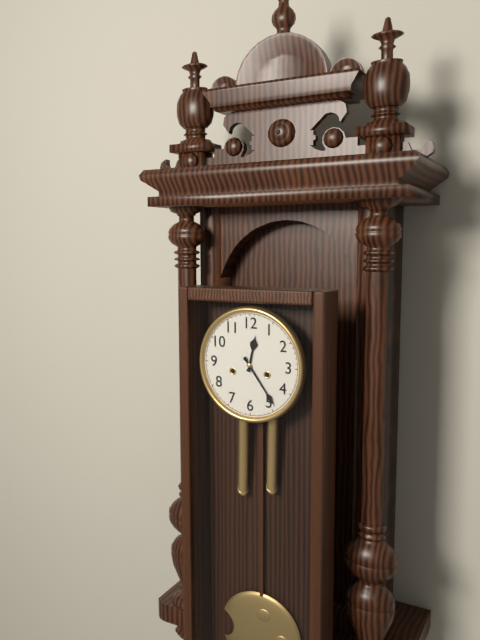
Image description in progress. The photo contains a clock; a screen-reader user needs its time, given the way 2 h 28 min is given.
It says 12 h 24 min
